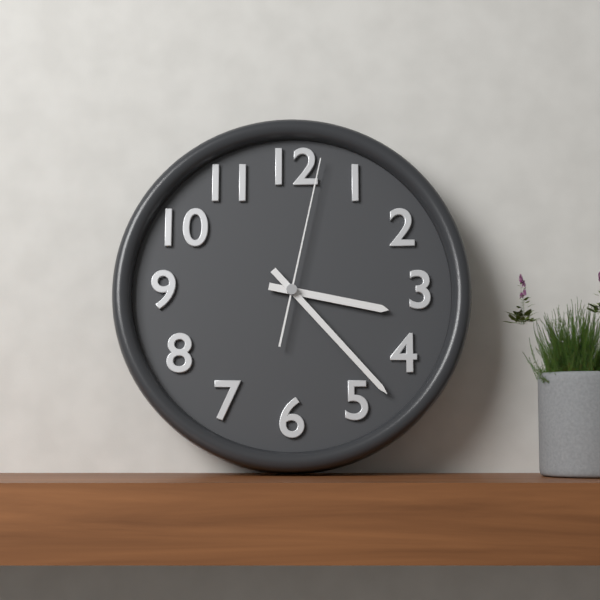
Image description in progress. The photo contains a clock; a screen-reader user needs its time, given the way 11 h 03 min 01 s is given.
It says 3 h 23 min 02 s
